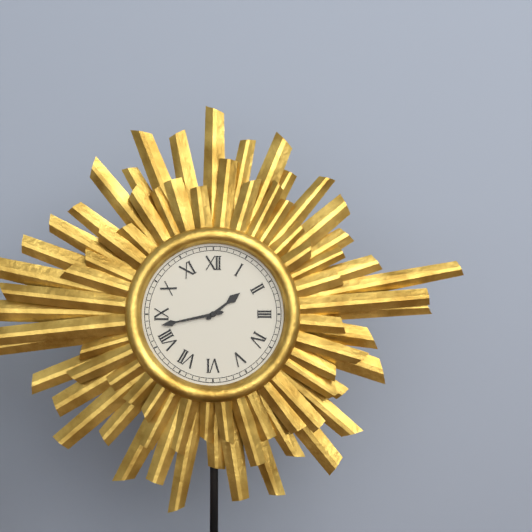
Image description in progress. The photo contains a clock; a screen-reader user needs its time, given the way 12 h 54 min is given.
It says 1 h 43 min
